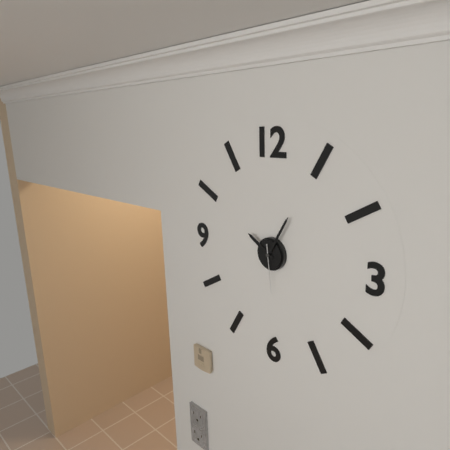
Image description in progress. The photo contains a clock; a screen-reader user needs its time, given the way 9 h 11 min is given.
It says 10 h 05 min
